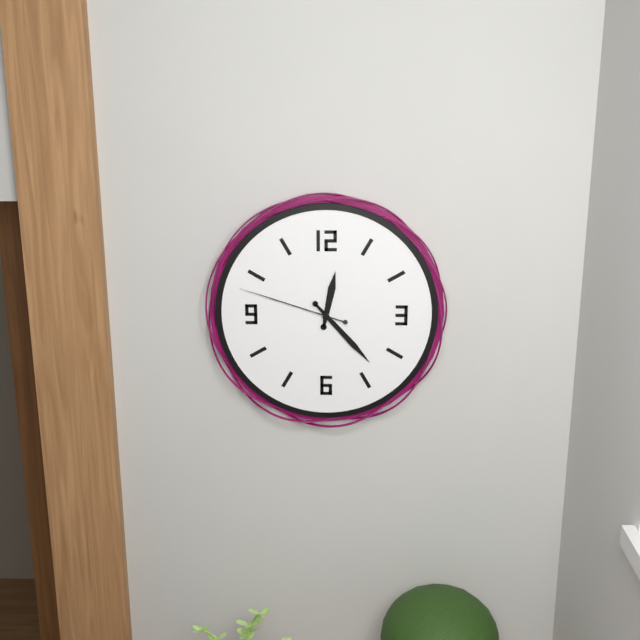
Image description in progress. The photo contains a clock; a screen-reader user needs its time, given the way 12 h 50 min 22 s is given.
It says 12 h 23 min 48 s
